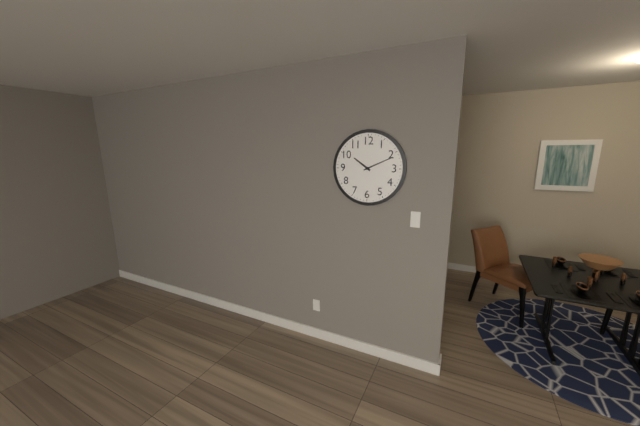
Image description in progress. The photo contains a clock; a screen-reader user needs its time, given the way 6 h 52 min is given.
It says 10 h 11 min
